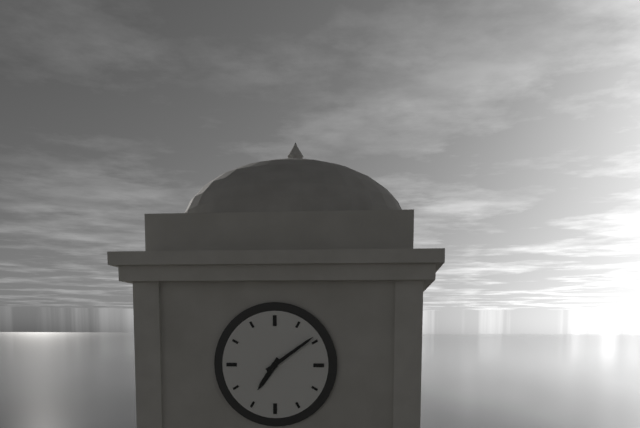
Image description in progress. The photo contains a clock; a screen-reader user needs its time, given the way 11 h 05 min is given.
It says 7 h 09 min
